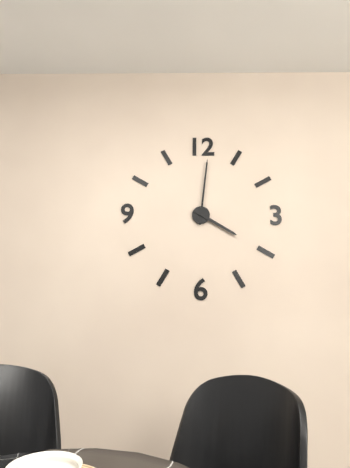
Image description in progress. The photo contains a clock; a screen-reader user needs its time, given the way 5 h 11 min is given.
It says 4 h 01 min
